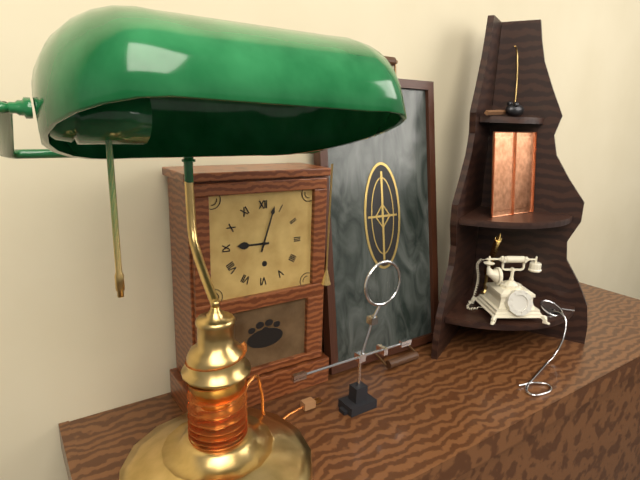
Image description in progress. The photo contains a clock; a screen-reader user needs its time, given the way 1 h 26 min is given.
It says 9 h 03 min
